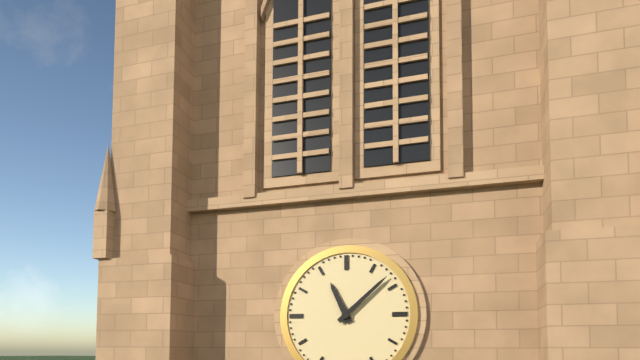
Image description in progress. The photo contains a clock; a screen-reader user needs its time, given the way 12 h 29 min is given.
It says 11 h 08 min
